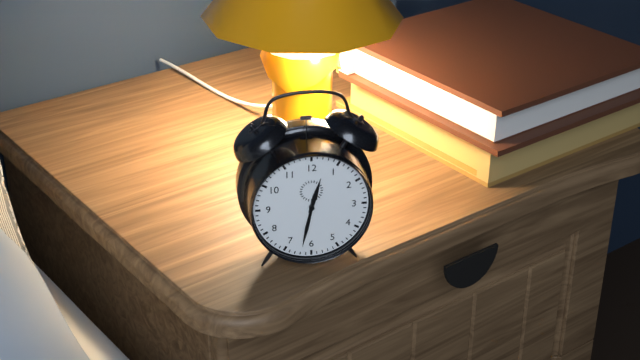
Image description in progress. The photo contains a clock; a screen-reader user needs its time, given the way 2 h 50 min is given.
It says 12 h 32 min
